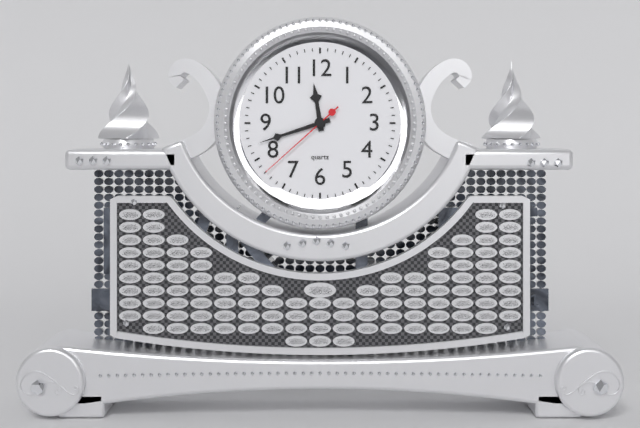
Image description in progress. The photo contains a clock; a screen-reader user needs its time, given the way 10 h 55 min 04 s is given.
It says 11 h 42 min 38 s
